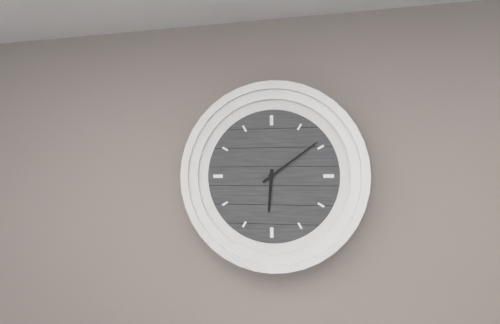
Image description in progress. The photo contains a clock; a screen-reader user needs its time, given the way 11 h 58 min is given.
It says 6 h 09 min
